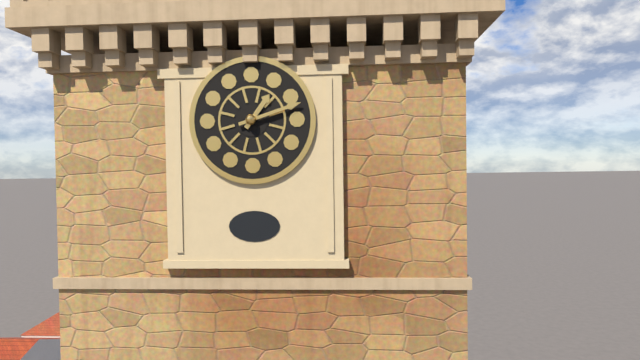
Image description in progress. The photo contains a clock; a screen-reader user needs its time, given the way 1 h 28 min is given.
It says 1 h 12 min
